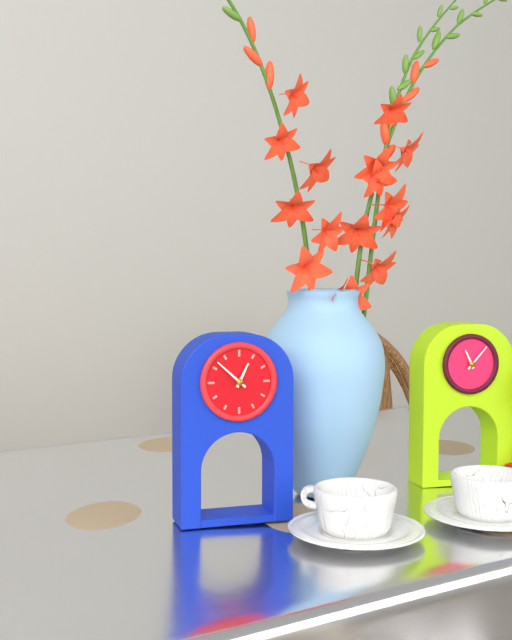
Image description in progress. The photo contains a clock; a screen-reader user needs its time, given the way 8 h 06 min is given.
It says 12 h 52 min
